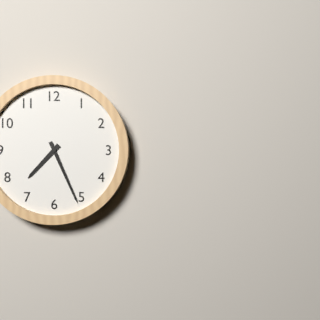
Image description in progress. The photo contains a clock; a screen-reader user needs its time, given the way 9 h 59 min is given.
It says 7 h 26 min
